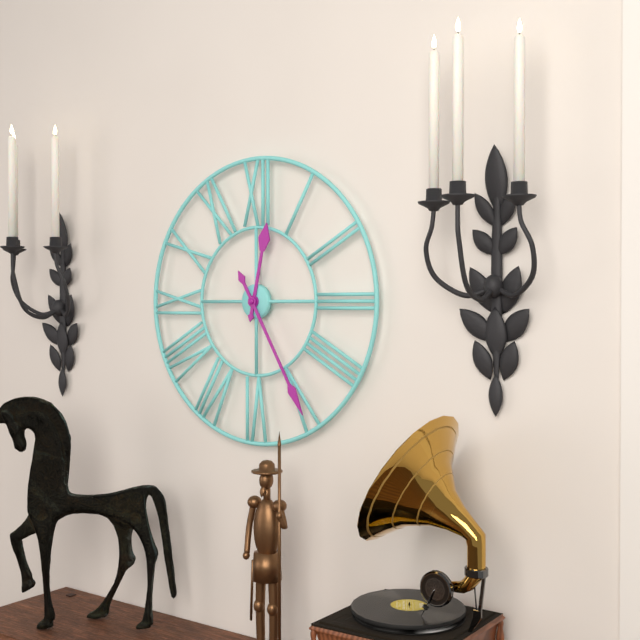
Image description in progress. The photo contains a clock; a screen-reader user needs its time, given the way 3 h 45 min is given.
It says 12 h 25 min
